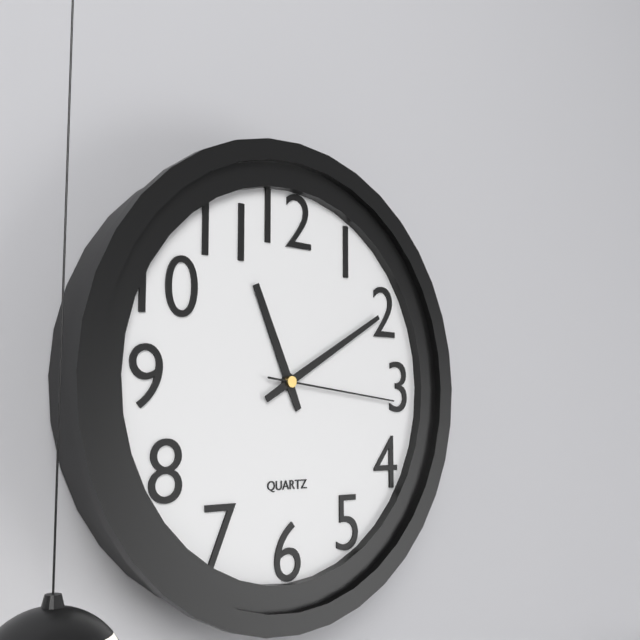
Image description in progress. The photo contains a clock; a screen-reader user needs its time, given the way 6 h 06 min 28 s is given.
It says 11 h 10 min 16 s
